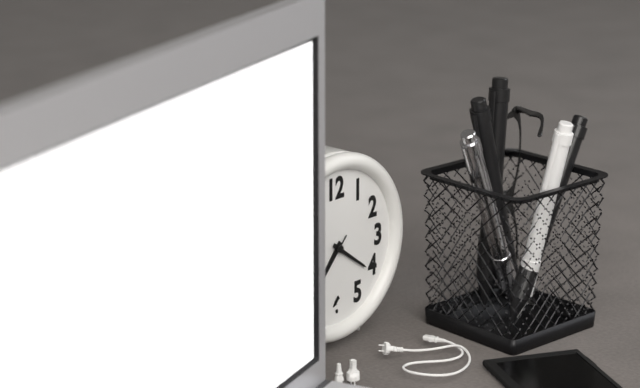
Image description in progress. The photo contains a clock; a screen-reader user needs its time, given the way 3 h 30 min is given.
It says 7 h 21 min
